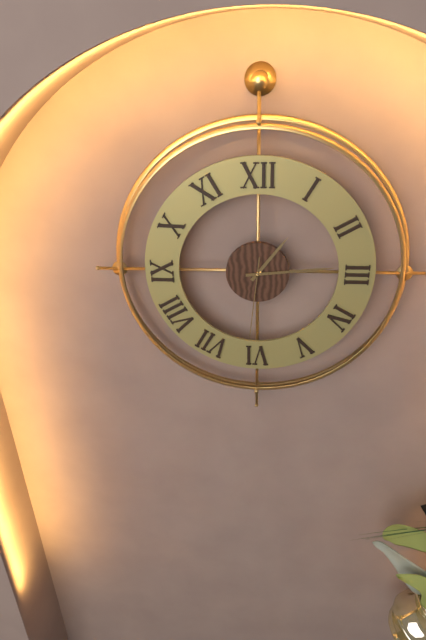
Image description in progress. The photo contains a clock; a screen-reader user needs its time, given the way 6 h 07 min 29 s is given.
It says 1 h 14 min 31 s
